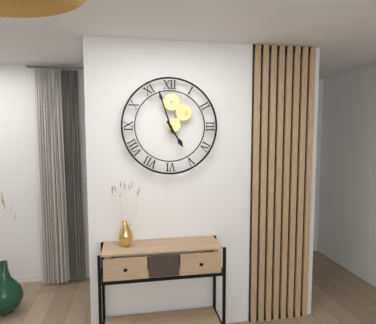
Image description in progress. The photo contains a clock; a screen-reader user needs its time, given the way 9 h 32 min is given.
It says 4 h 57 min
